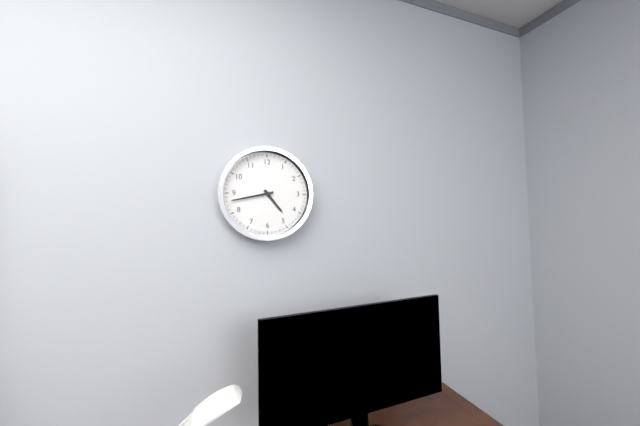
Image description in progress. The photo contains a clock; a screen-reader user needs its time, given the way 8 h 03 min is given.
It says 4 h 43 min
